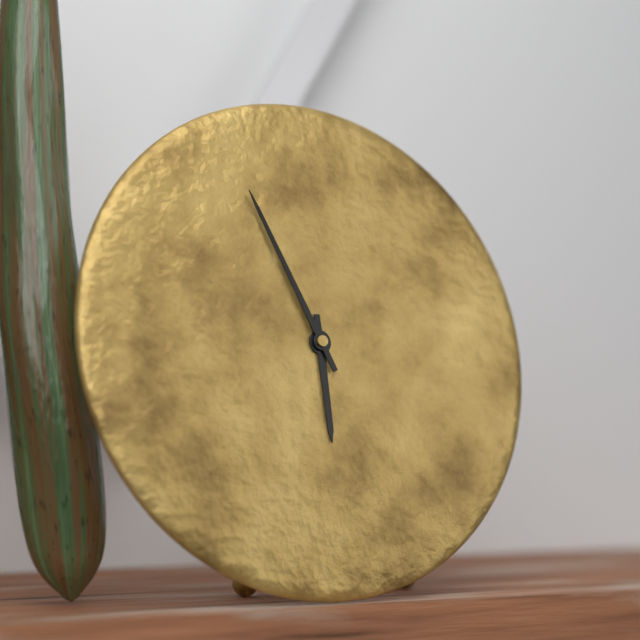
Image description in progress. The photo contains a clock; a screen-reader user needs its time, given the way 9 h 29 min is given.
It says 5 h 56 min
